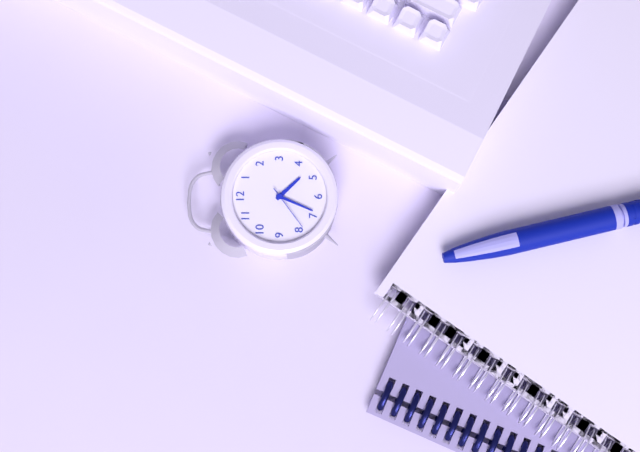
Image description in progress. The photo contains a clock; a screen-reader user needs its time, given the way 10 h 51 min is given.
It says 4 h 34 min
